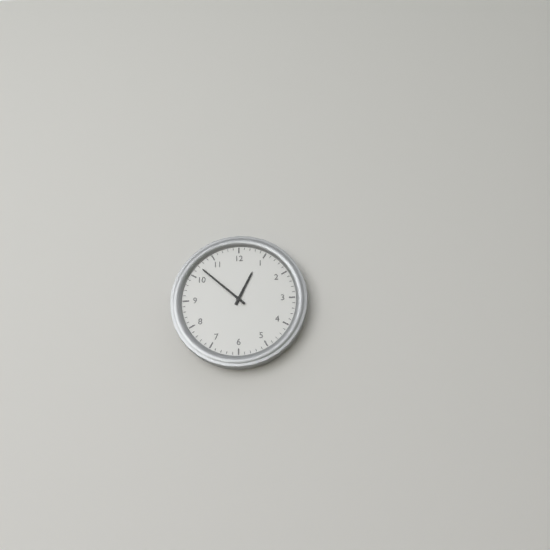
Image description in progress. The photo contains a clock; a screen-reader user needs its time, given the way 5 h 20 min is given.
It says 12 h 52 min
